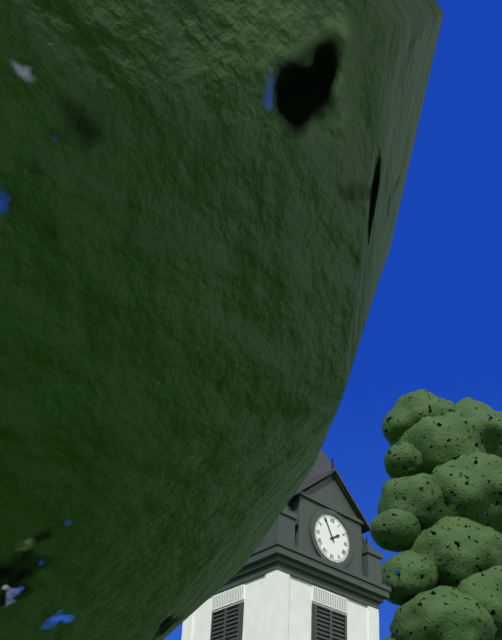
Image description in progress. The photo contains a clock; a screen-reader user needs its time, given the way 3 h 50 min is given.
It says 1 h 55 min
